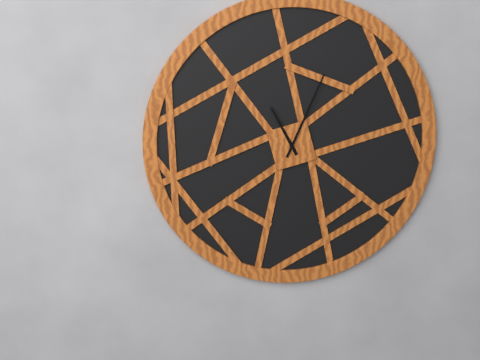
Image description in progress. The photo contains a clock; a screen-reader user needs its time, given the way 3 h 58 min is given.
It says 11 h 04 min
